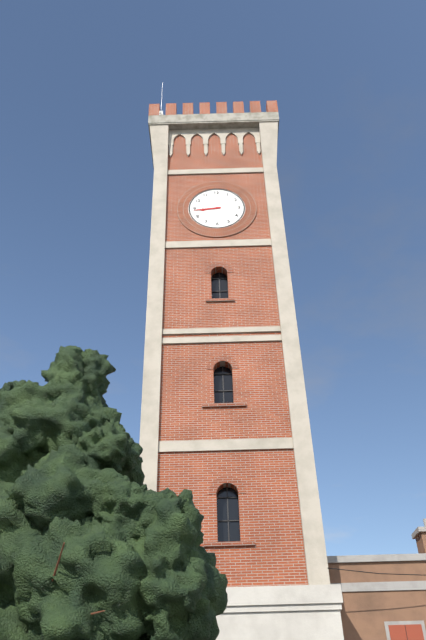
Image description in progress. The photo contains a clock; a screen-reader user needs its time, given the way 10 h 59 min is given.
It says 8 h 44 min
